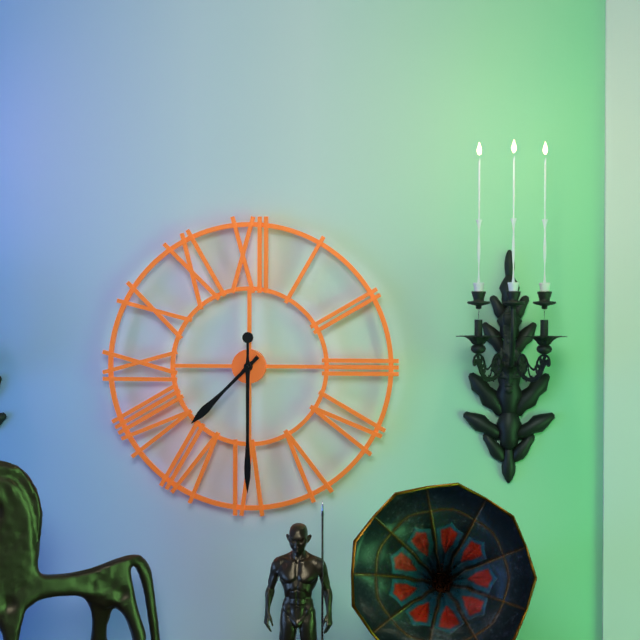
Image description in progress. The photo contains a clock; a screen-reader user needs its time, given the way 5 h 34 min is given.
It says 7 h 30 min
